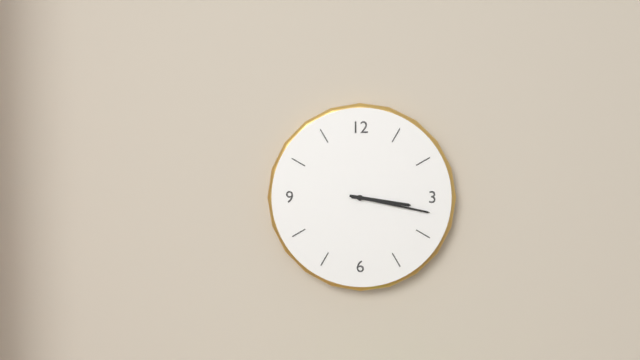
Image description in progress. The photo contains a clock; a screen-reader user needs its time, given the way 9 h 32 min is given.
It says 3 h 17 min
